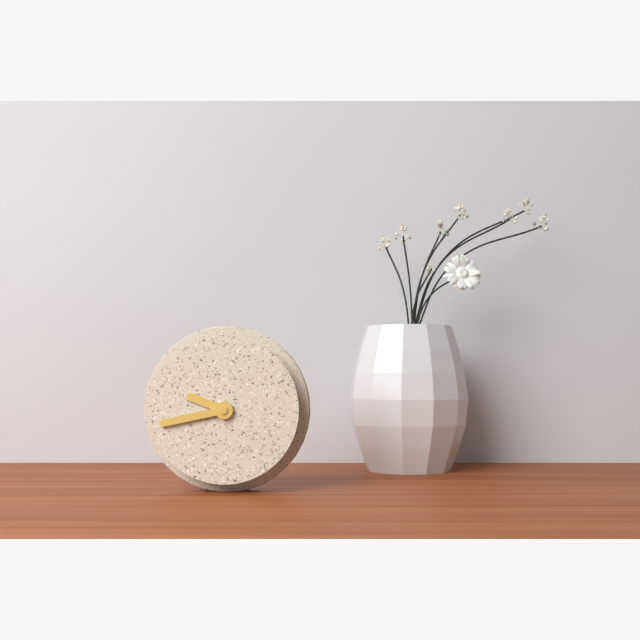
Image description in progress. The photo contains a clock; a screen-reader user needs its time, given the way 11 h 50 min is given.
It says 9 h 43 min
